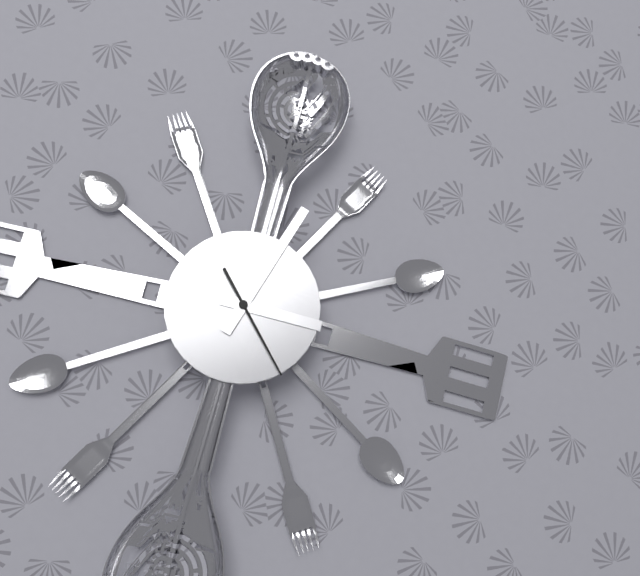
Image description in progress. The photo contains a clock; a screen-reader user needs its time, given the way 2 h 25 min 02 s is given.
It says 3 h 03 min 23 s
